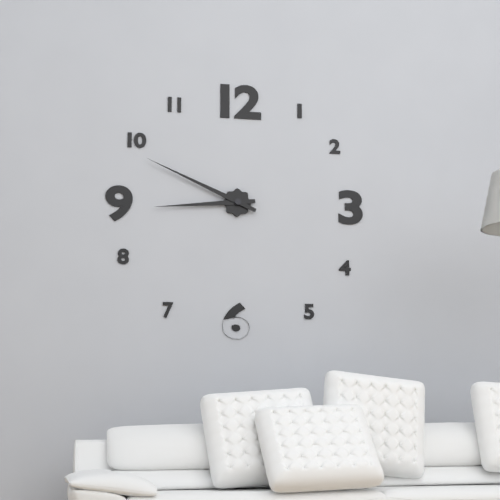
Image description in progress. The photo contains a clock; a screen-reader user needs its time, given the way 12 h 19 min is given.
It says 8 h 49 min
